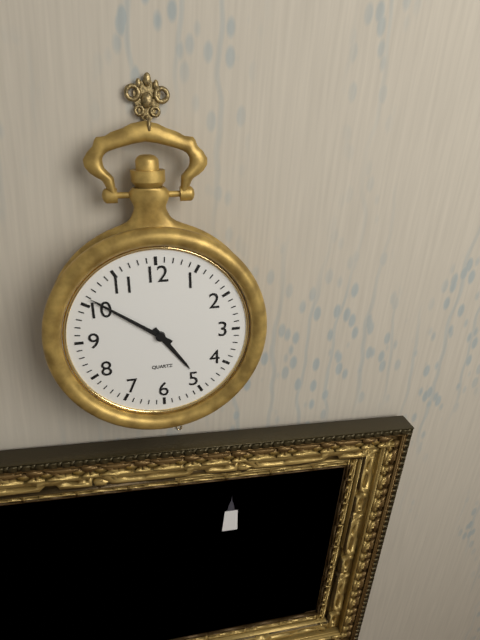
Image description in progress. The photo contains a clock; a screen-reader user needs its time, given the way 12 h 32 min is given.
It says 4 h 51 min
